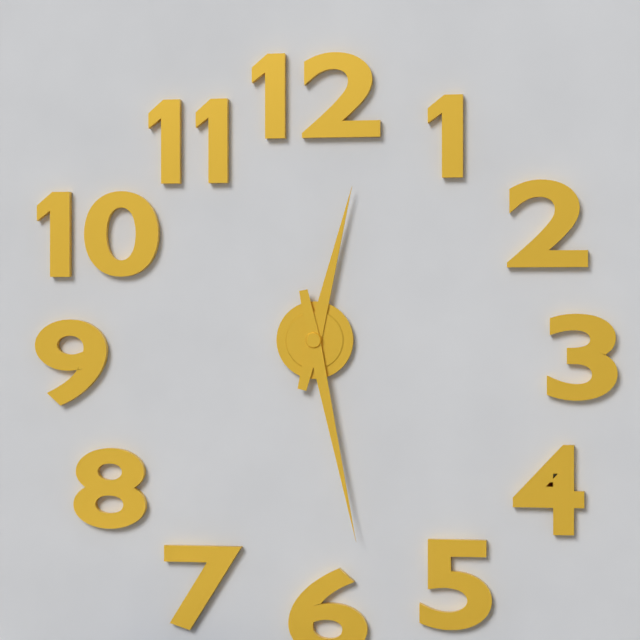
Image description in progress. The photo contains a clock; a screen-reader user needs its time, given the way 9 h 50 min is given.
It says 12 h 28 min
